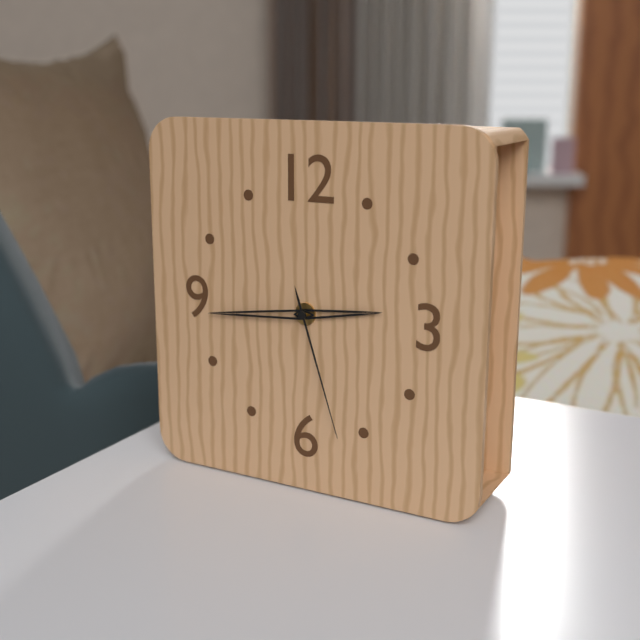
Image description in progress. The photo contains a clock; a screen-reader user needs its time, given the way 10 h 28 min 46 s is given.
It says 2 h 44 min 27 s
